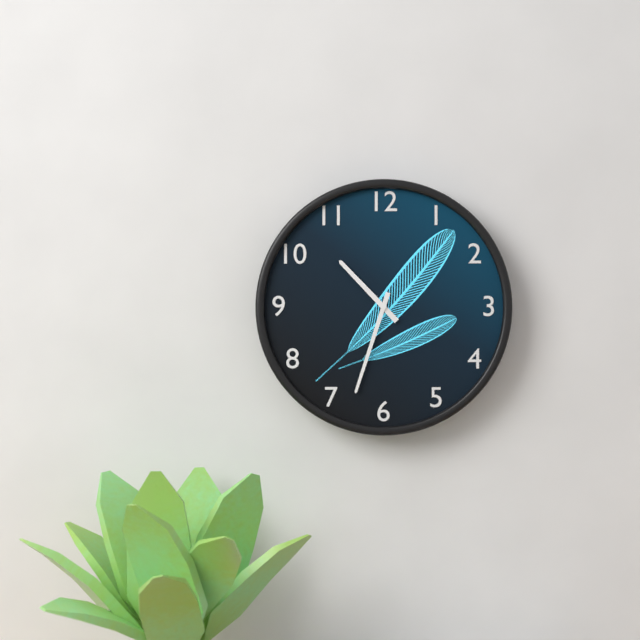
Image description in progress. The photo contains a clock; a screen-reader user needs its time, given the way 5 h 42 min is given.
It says 10 h 33 min
